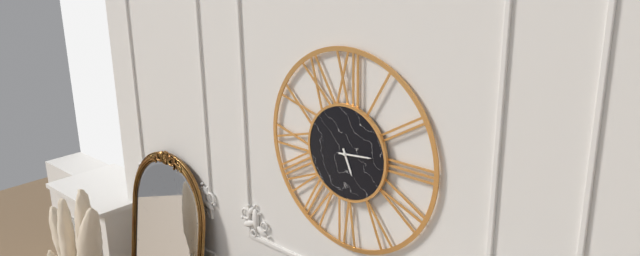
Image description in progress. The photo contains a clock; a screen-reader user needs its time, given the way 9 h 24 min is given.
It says 5 h 14 min
